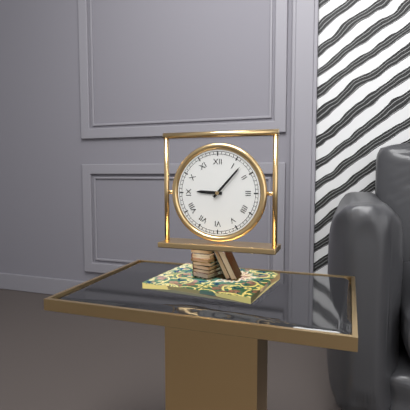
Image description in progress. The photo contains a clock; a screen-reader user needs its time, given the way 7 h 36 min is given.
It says 9 h 07 min
